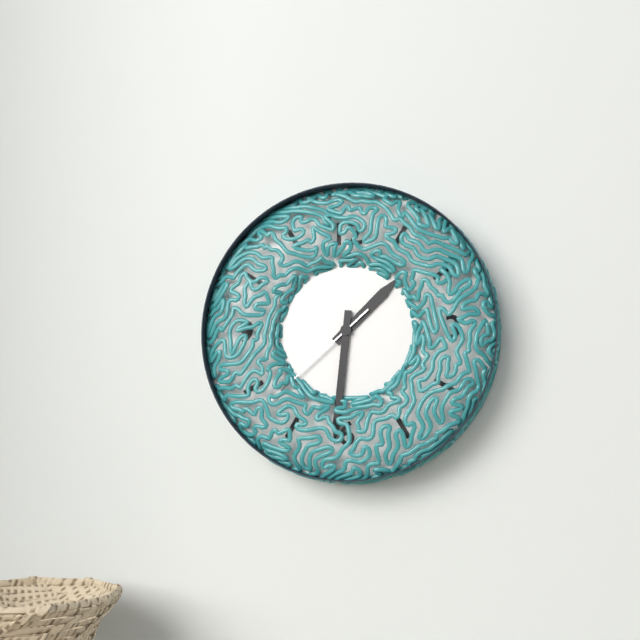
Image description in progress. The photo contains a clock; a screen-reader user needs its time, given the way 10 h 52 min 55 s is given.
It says 1 h 31 min 38 s
